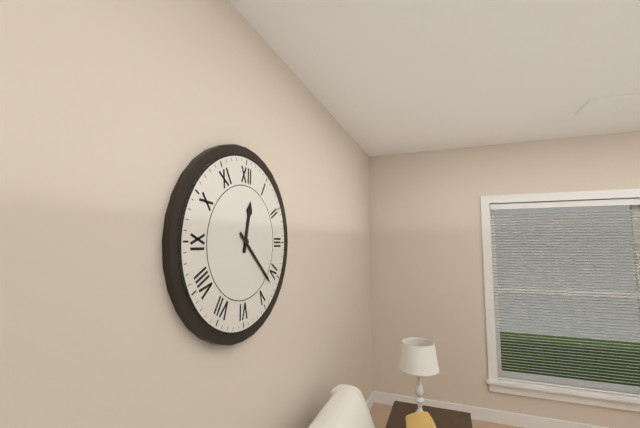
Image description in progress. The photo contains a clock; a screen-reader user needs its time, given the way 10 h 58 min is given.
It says 12 h 22 min
